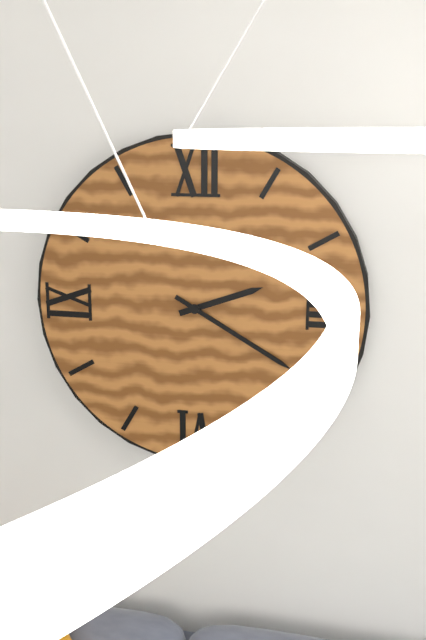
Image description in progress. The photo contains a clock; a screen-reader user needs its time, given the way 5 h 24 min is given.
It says 2 h 20 min
